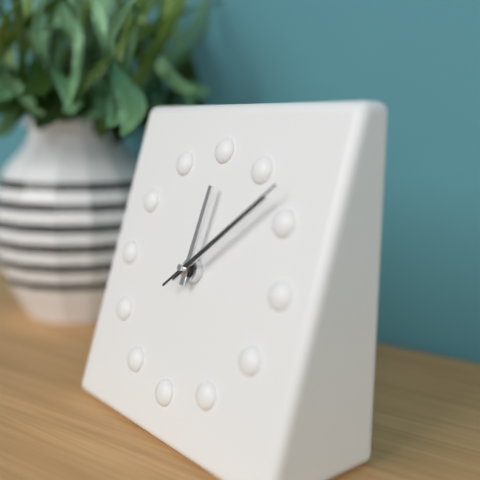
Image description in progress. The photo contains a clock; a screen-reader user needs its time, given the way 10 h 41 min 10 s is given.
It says 12 h 08 min 08 s
